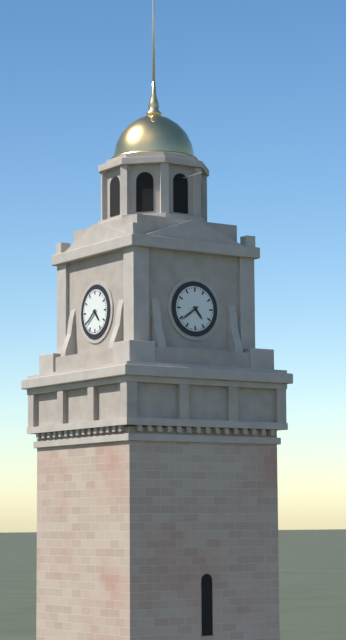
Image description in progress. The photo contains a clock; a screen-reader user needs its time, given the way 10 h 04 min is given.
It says 4 h 39 min
